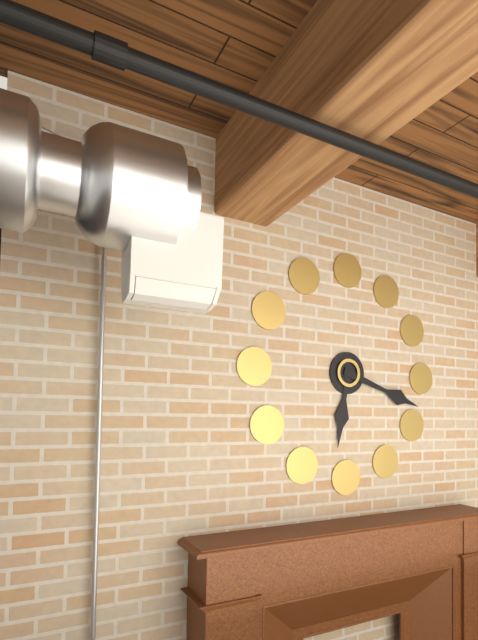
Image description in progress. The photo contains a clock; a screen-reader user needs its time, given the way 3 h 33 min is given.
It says 6 h 18 min
